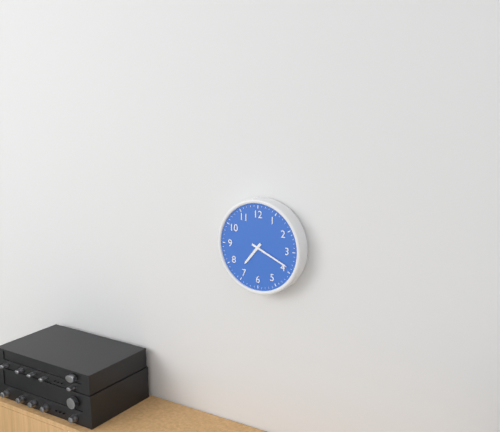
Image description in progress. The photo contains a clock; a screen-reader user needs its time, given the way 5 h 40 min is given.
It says 7 h 19 min
